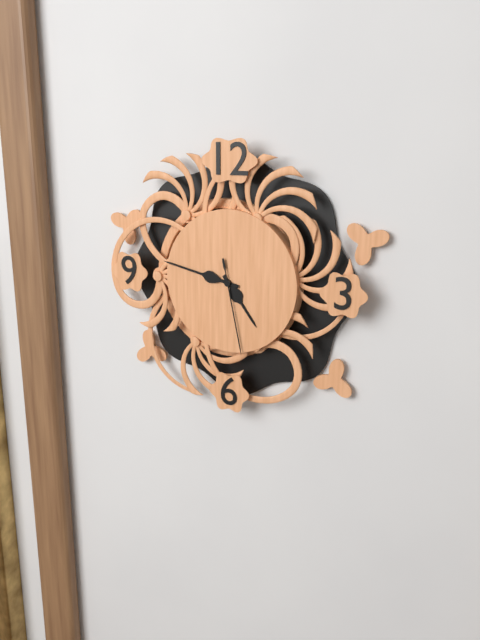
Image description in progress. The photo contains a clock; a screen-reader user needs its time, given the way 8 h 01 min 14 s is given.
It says 4 h 47 min 28 s
